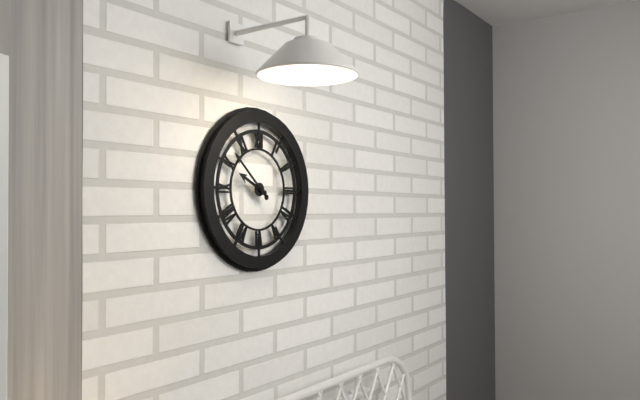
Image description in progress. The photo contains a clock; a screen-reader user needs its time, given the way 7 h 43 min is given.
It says 9 h 52 min
